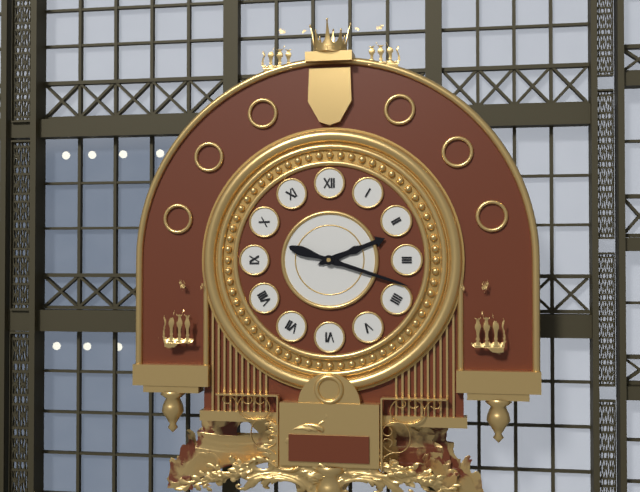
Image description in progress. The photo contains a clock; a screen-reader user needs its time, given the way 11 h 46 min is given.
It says 2 h 18 min
